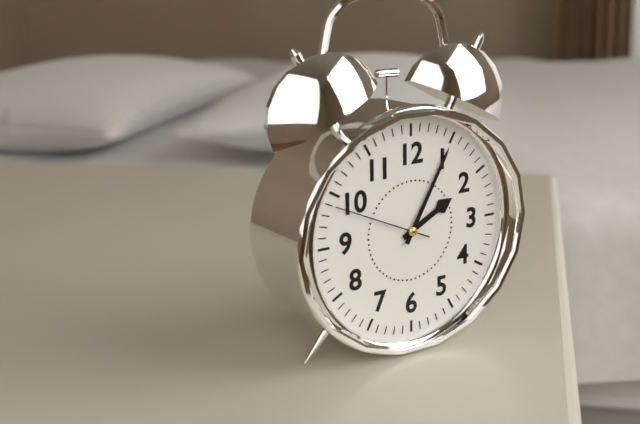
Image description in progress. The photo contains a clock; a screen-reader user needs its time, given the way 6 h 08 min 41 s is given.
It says 2 h 05 min 49 s
